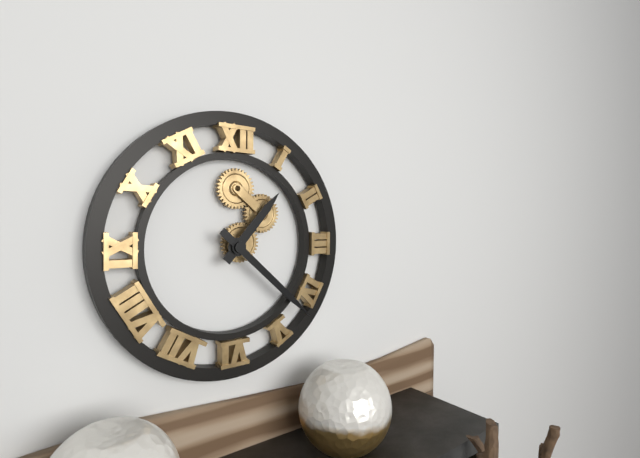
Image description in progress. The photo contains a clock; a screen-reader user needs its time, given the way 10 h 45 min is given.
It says 1 h 22 min
